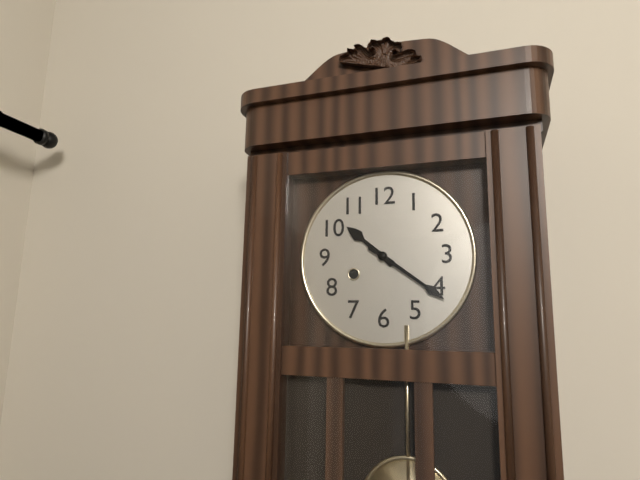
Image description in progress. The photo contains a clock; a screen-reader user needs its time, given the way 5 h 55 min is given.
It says 10 h 21 min
